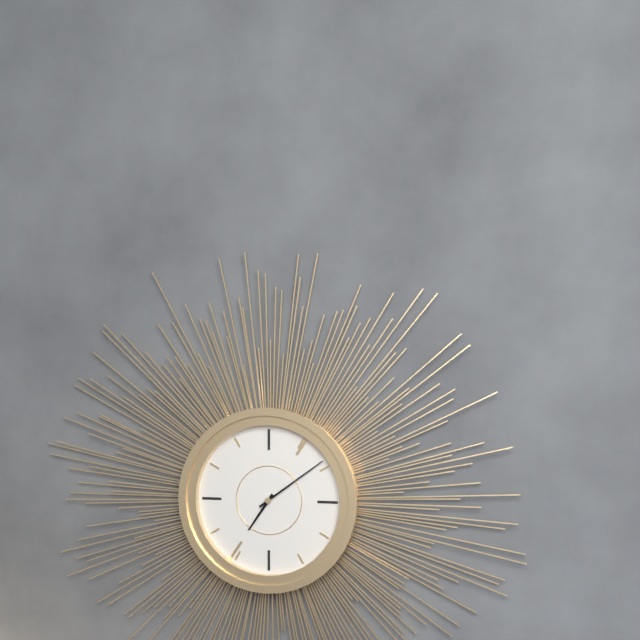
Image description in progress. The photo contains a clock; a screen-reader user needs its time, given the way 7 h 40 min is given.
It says 7 h 09 min
